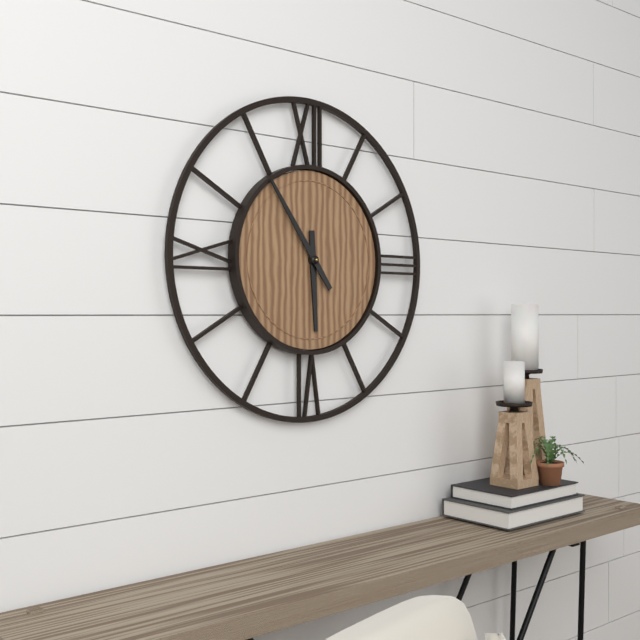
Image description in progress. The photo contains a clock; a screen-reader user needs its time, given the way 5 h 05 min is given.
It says 5 h 54 min
